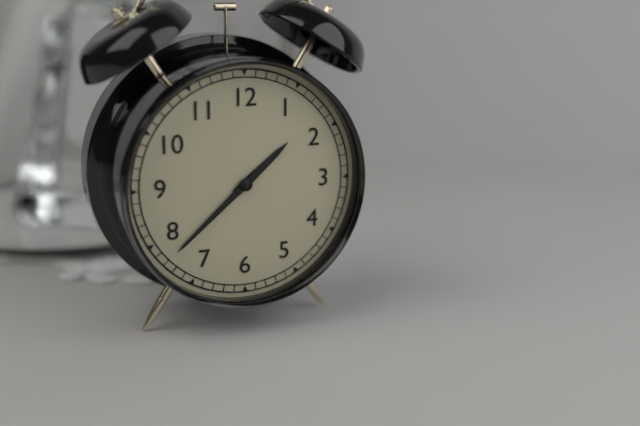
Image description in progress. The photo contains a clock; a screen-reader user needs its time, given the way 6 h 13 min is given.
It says 1 h 38 min
